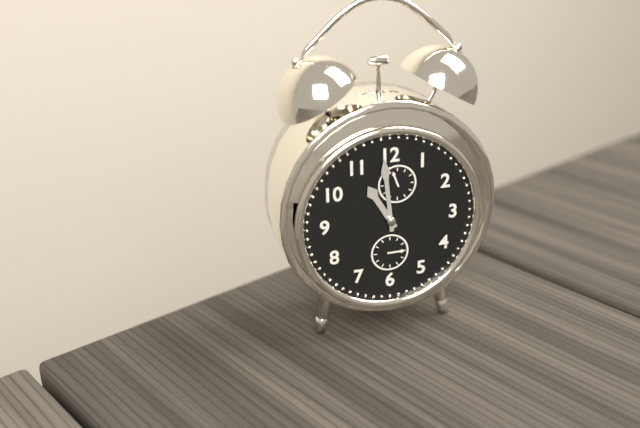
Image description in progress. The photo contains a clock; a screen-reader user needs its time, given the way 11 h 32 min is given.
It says 10 h 59 min
